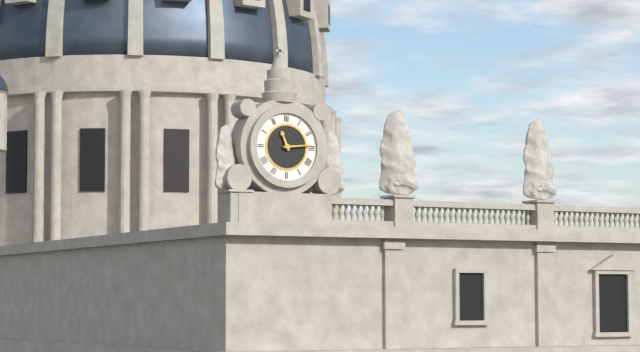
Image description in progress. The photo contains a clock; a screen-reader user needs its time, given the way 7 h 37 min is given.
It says 11 h 14 min
